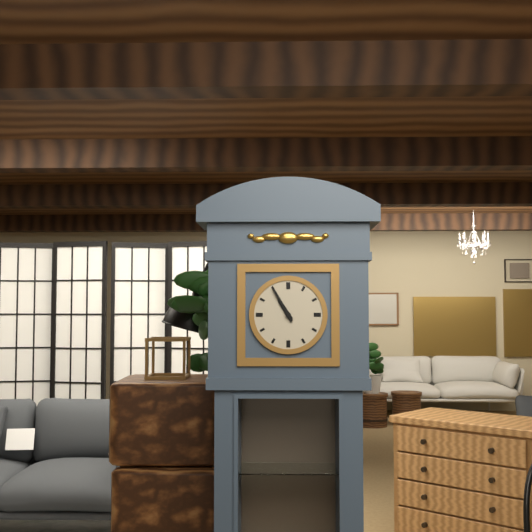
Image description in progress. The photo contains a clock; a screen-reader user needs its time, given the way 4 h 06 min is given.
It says 10 h 55 min
